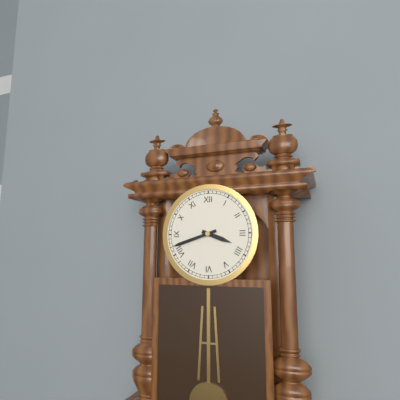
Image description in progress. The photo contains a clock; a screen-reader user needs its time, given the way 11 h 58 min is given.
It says 3 h 42 min
